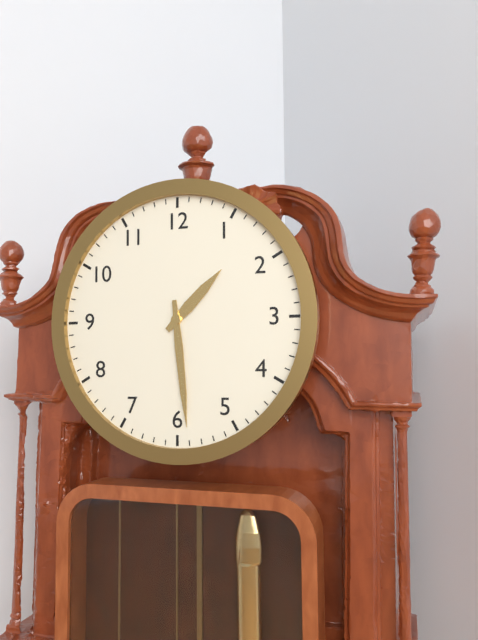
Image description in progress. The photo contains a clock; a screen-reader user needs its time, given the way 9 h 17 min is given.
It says 1 h 29 min
